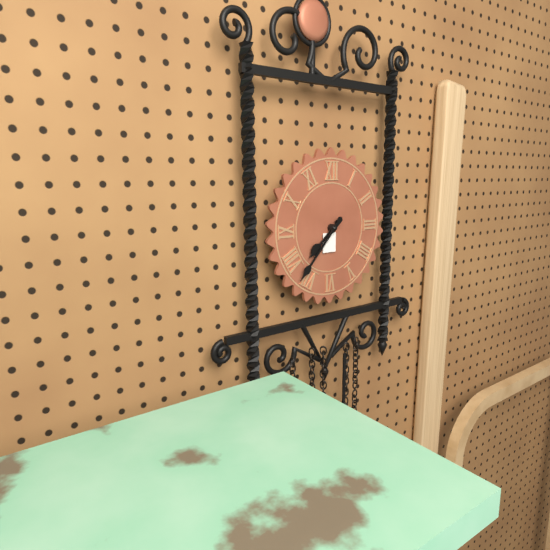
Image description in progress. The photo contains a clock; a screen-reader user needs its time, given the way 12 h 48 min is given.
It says 7 h 37 min
